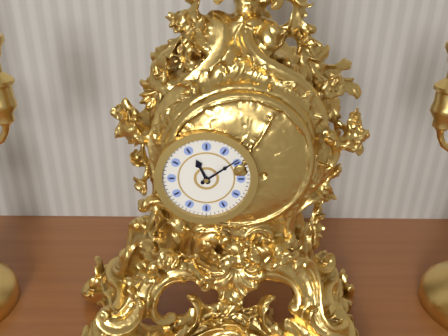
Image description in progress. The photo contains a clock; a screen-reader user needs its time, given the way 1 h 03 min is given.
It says 11 h 09 min
